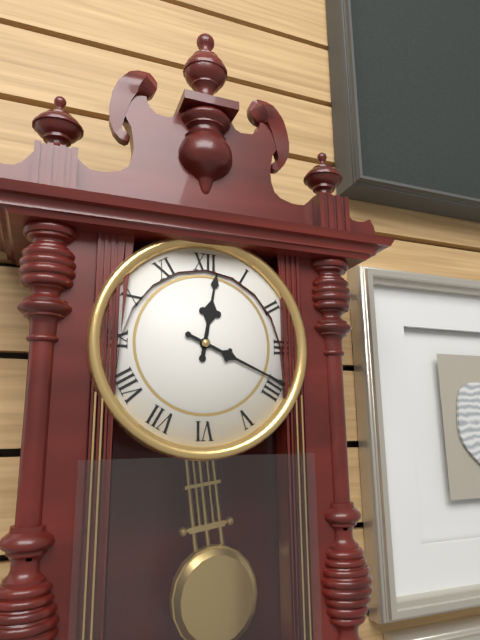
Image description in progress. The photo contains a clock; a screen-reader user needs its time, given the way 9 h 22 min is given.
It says 12 h 19 min
